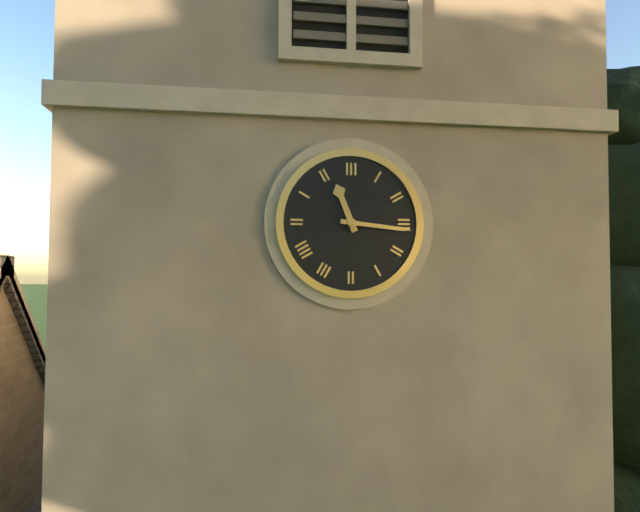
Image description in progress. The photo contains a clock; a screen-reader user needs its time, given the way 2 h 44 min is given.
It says 11 h 16 min
